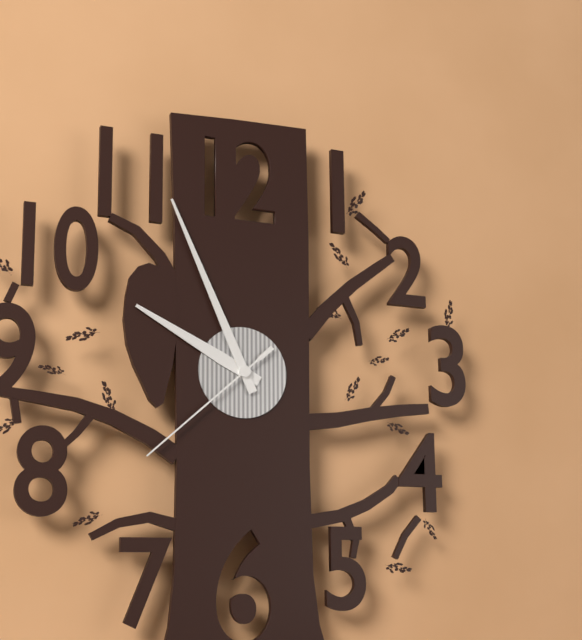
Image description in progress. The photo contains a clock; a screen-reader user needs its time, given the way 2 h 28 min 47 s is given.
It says 9 h 56 min 38 s
